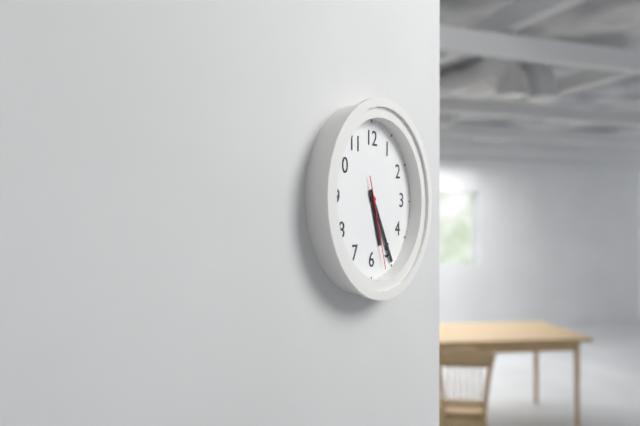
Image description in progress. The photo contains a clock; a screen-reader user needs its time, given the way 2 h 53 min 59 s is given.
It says 5 h 25 min 27 s
